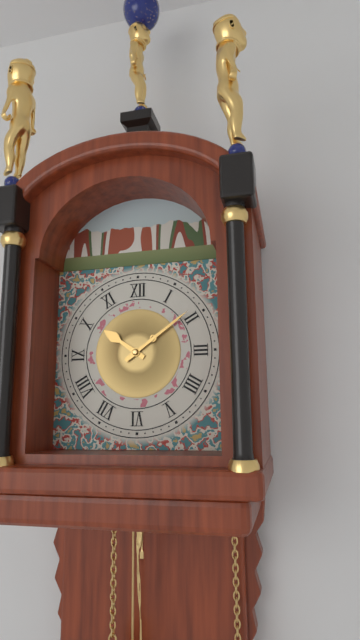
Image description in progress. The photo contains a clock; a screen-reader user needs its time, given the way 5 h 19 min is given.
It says 10 h 09 min
